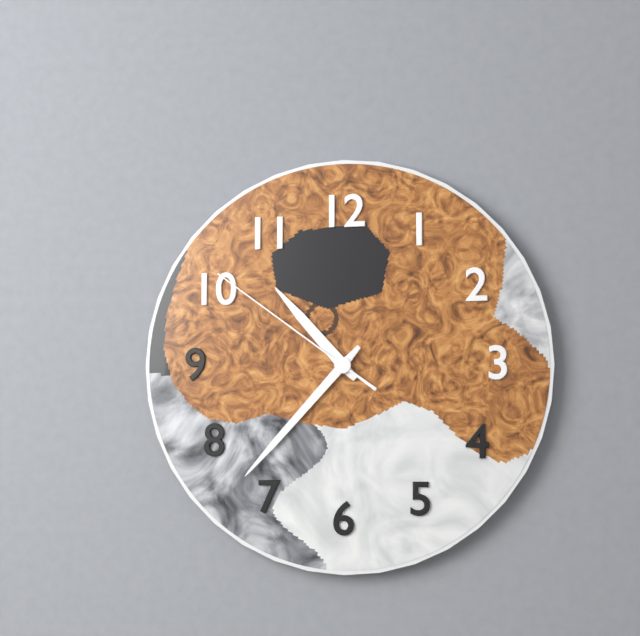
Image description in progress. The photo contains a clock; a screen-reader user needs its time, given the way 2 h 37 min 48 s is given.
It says 10 h 37 min 51 s
